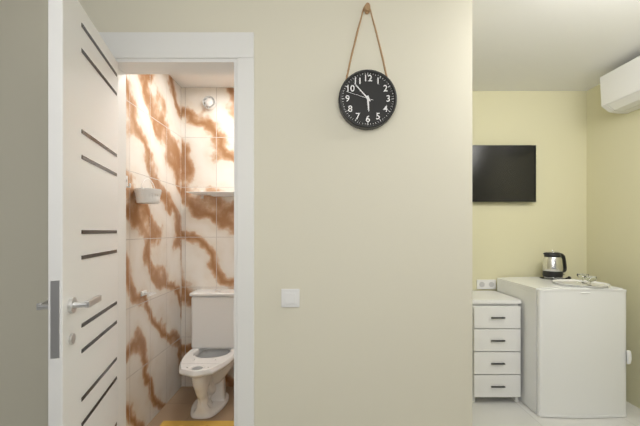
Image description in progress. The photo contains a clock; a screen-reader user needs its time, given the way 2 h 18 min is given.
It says 5 h 53 min
